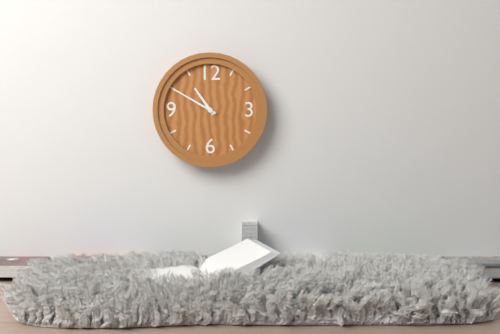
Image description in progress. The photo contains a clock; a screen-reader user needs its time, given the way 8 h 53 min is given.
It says 10 h 50 min
